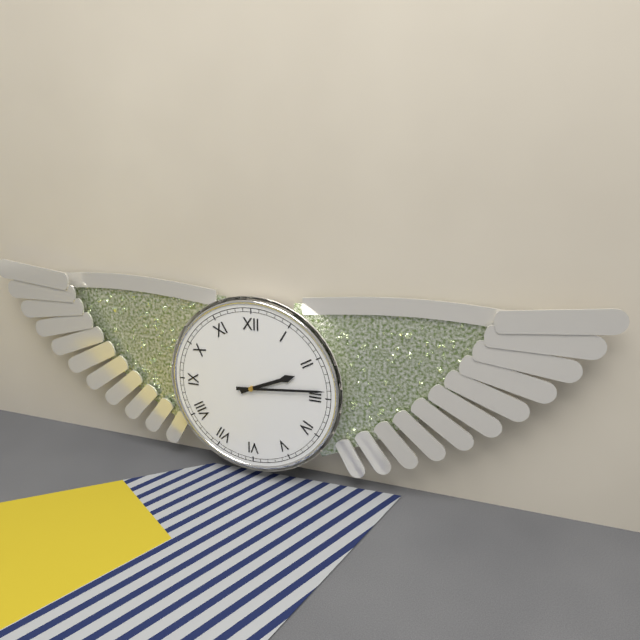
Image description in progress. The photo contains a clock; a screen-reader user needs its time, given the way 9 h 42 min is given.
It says 2 h 14 min
